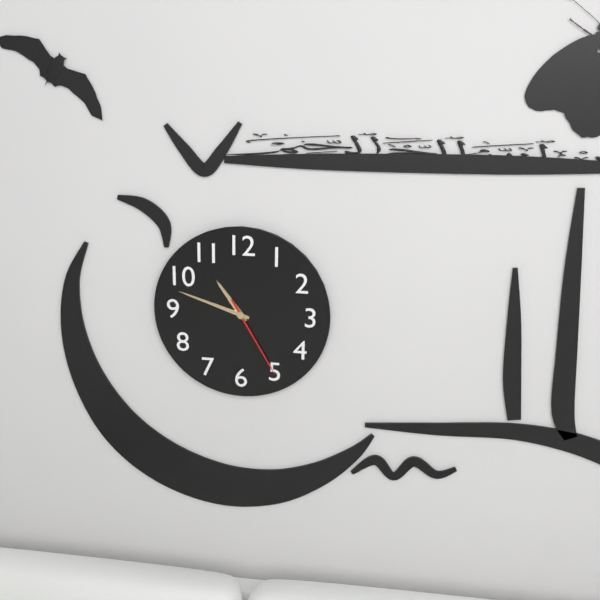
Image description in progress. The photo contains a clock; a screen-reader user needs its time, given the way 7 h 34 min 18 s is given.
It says 10 h 48 min 25 s
